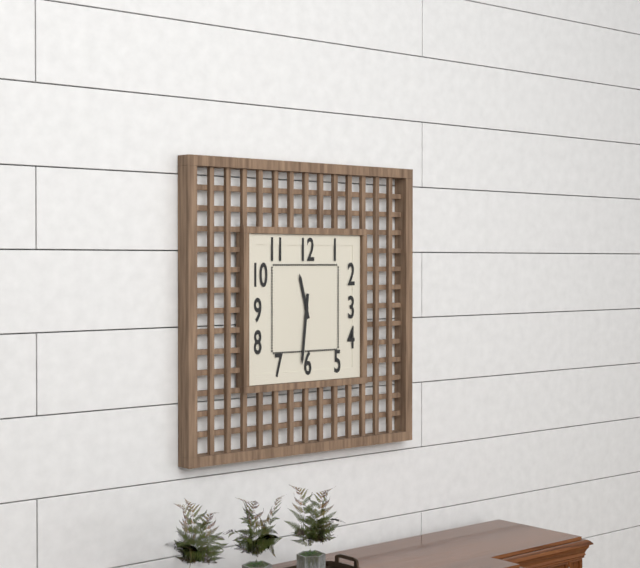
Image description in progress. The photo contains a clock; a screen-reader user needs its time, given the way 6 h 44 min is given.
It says 11 h 31 min
